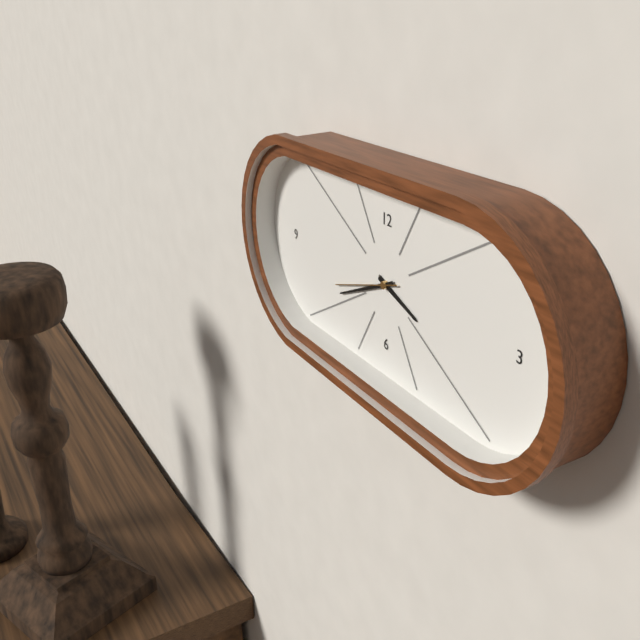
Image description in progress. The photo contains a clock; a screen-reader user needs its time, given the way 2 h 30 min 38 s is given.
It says 3 h 41 min 42 s
